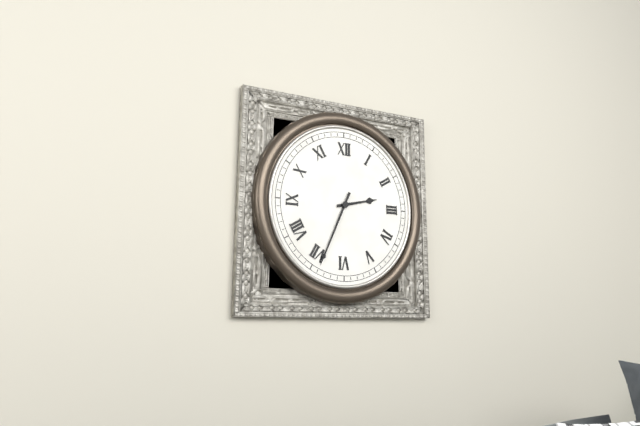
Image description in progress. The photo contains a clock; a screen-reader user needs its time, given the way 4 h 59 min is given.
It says 2 h 34 min
